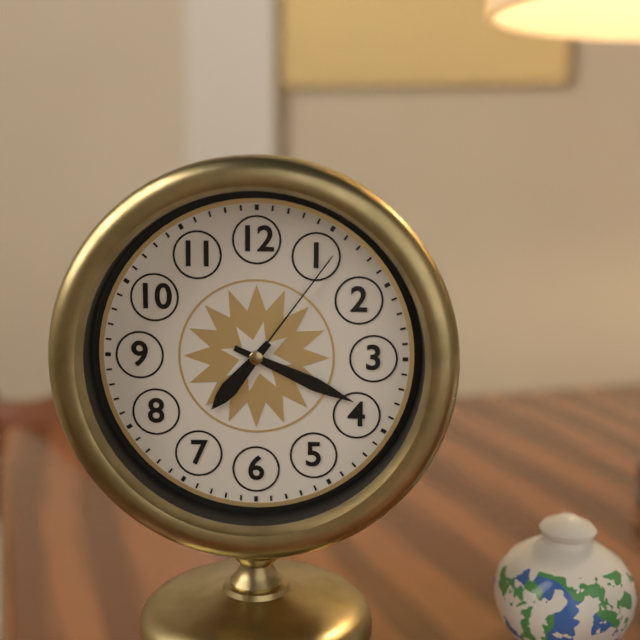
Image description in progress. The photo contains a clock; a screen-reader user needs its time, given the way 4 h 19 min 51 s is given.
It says 7 h 19 min 06 s
